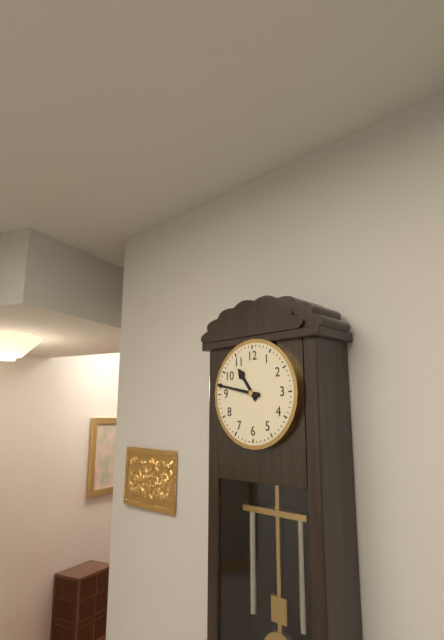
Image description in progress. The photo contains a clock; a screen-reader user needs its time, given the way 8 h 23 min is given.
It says 10 h 47 min
